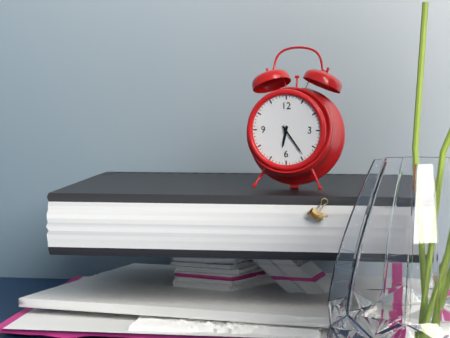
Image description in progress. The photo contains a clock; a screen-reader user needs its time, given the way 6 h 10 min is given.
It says 6 h 24 min
